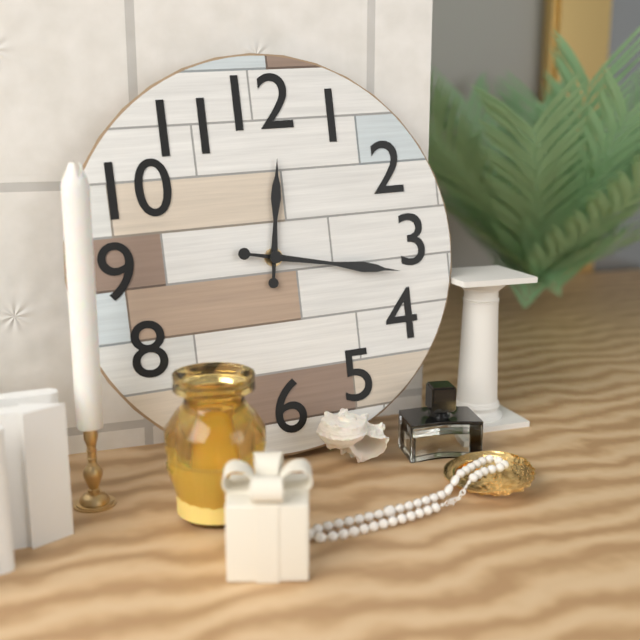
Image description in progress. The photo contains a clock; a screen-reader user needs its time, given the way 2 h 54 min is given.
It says 12 h 17 min
